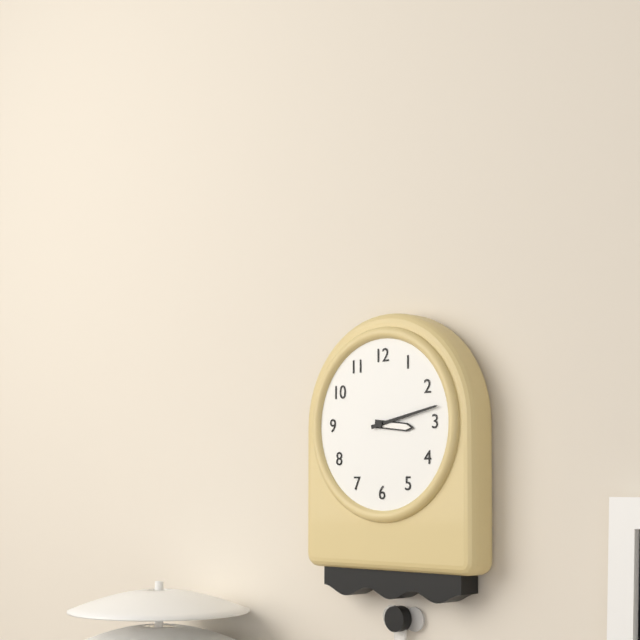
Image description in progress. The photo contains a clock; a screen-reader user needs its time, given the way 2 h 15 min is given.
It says 3 h 13 min
